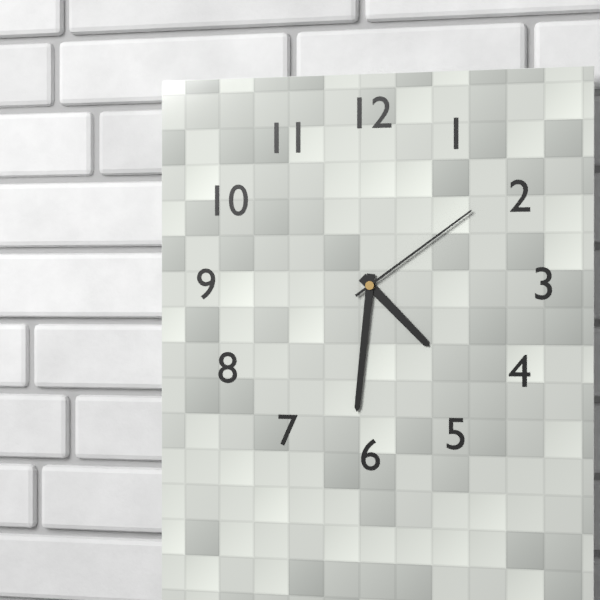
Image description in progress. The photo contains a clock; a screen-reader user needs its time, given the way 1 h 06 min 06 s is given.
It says 4 h 31 min 09 s
